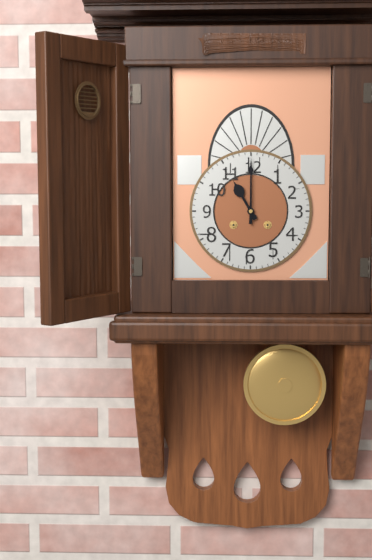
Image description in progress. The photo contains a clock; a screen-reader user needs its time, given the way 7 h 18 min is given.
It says 11 h 00 min
